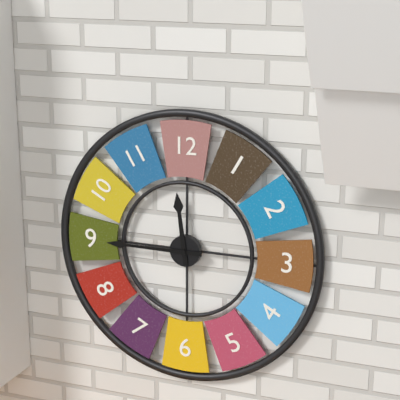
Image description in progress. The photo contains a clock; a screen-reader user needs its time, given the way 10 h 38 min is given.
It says 11 h 45 min
